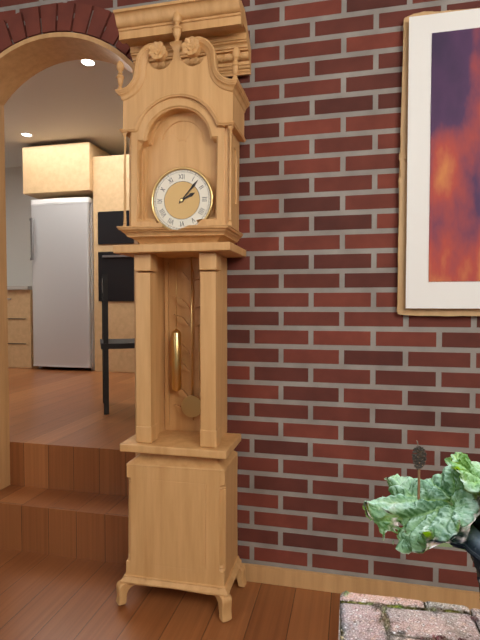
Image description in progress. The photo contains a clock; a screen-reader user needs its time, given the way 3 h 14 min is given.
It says 2 h 07 min
